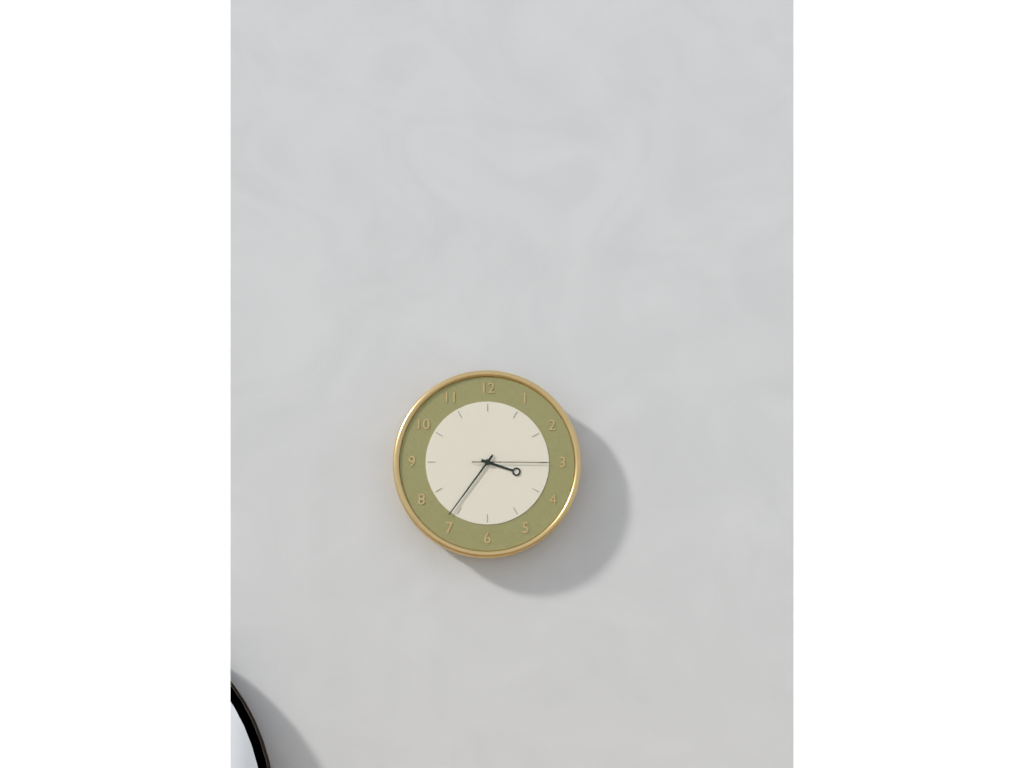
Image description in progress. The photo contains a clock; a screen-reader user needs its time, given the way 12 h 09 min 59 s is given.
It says 3 h 36 min 15 s
